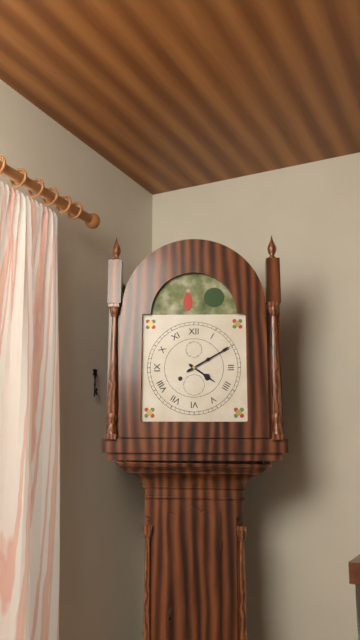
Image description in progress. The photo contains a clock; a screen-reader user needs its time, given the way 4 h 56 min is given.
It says 4 h 10 min
